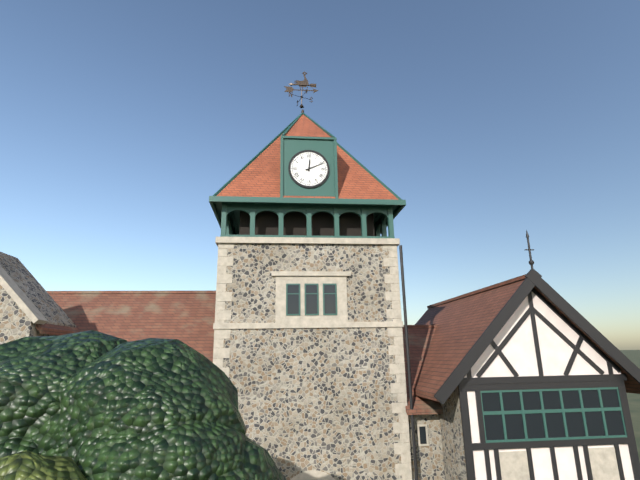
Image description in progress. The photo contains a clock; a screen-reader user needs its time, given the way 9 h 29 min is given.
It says 12 h 11 min
